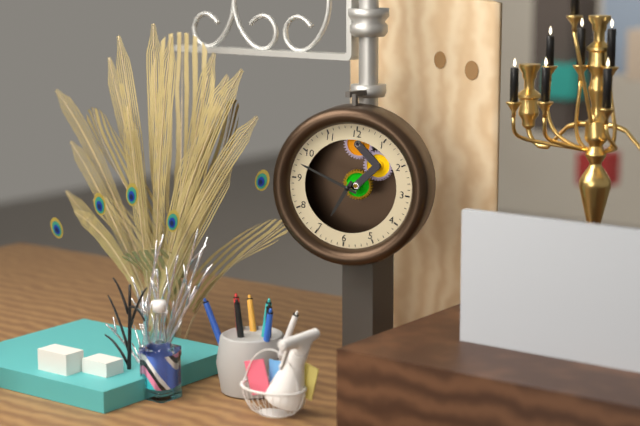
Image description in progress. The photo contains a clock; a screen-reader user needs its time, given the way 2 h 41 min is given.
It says 6 h 48 min
